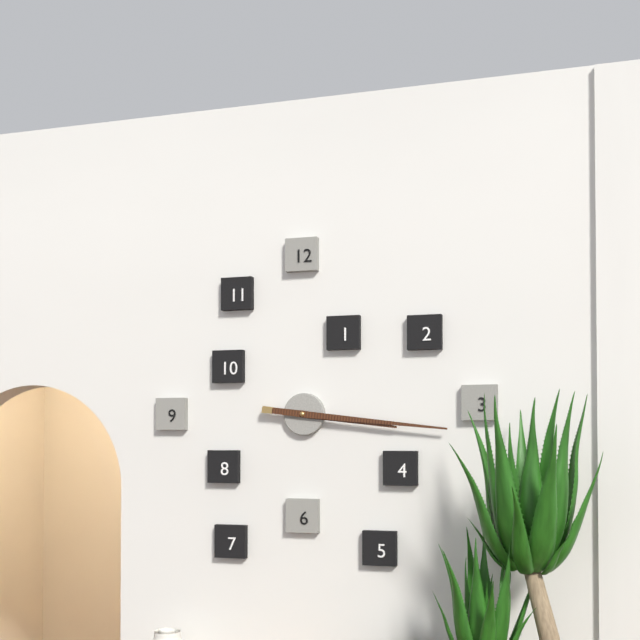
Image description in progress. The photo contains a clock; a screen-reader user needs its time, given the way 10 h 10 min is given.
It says 3 h 16 min
